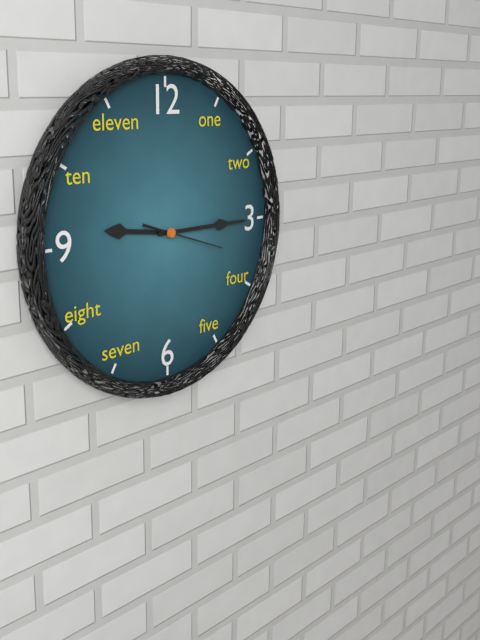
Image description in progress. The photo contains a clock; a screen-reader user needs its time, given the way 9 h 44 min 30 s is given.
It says 9 h 15 min 18 s
